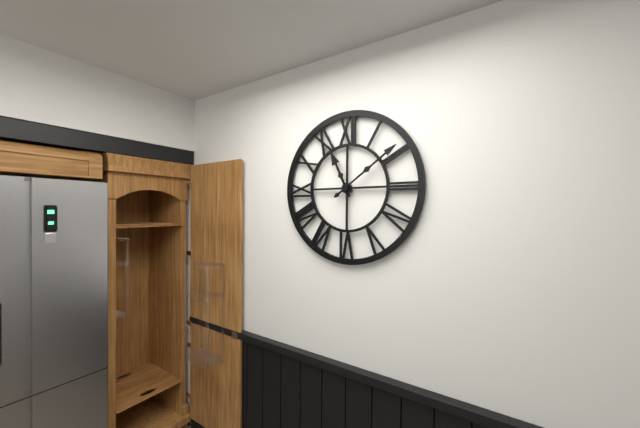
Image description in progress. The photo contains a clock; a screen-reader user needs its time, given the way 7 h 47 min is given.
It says 11 h 09 min
